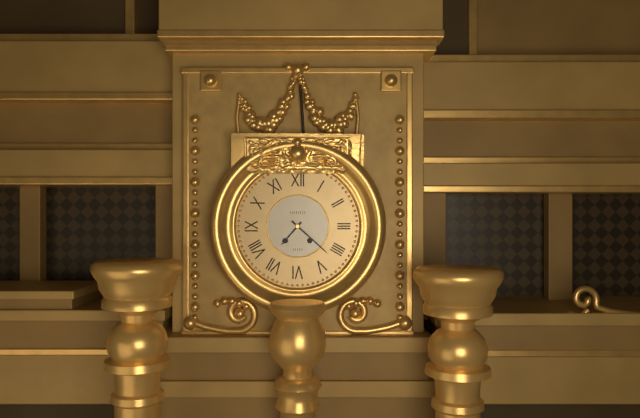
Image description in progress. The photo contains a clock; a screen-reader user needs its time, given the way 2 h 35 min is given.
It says 7 h 22 min
